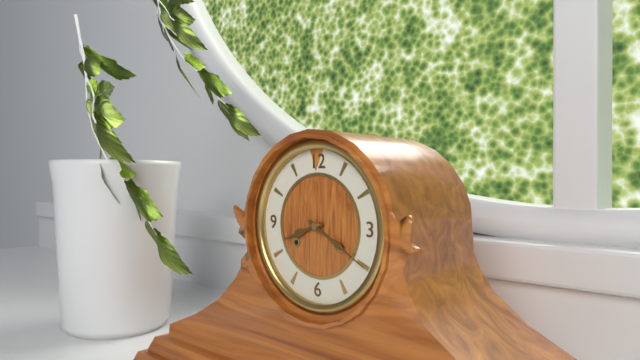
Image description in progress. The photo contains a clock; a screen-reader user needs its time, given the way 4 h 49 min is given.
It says 8 h 20 min
